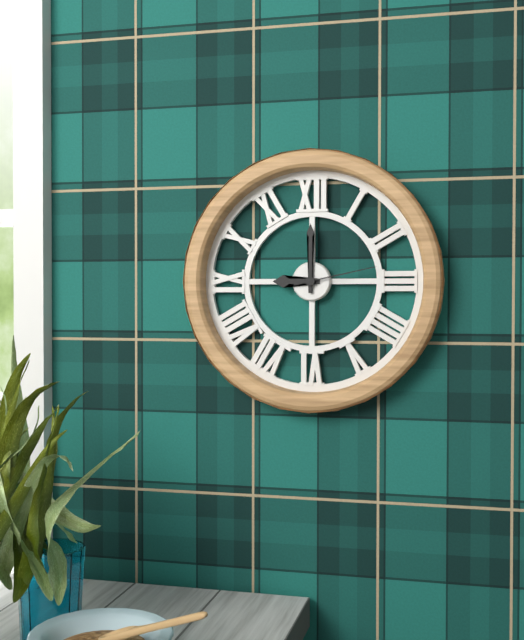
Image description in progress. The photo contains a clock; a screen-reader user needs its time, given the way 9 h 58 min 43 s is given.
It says 9 h 00 min 13 s
